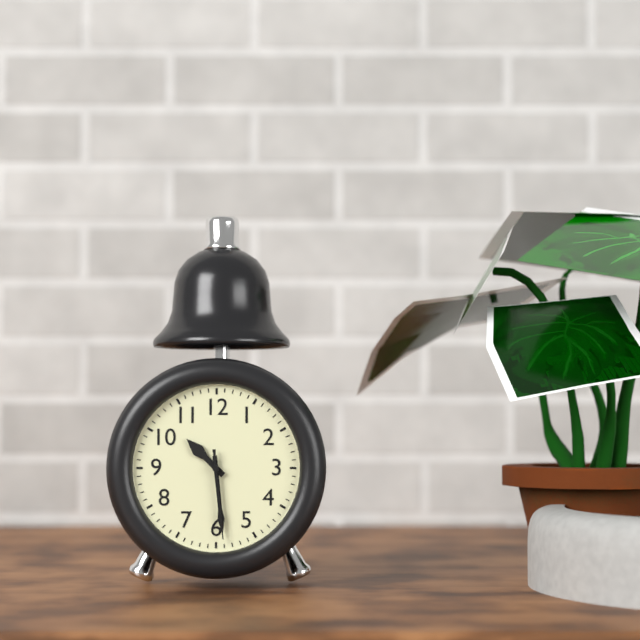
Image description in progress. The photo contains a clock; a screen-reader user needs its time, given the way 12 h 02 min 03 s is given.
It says 10 h 29 min 29 s
